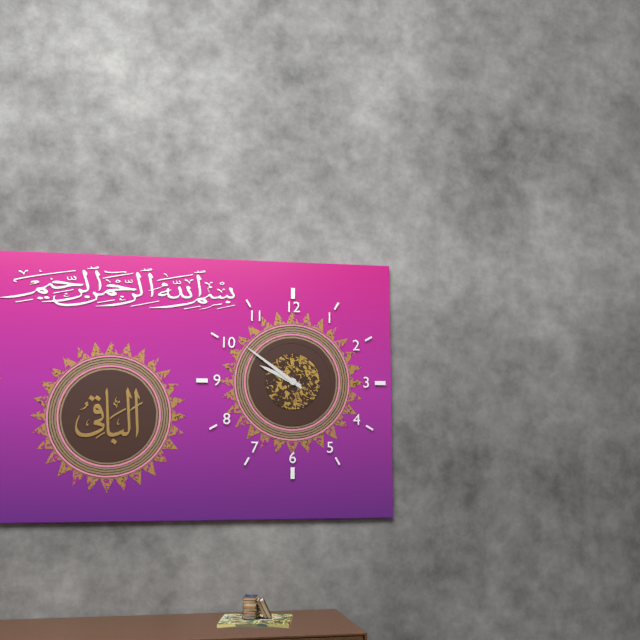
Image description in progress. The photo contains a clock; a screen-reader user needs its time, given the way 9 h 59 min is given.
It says 9 h 51 min
